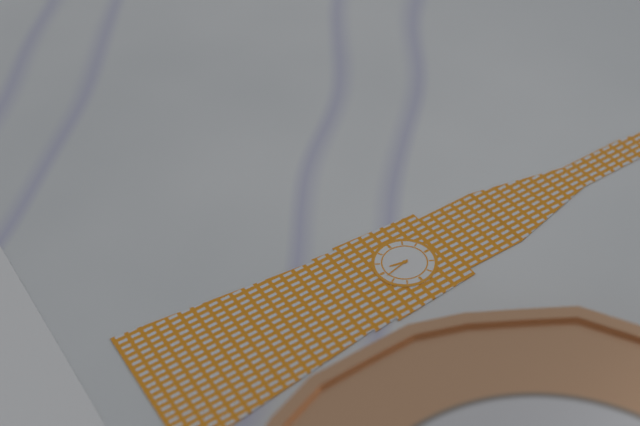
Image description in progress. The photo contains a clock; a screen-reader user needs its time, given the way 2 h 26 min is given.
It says 6 h 28 min
